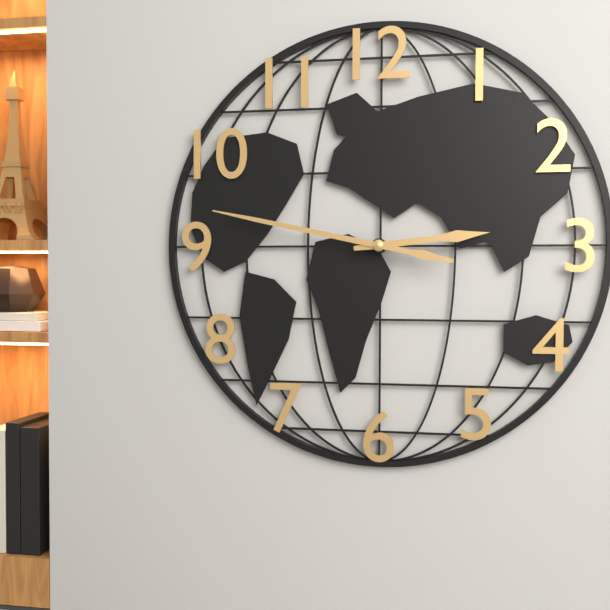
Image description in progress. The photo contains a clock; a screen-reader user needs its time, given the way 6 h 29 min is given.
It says 2 h 47 min
